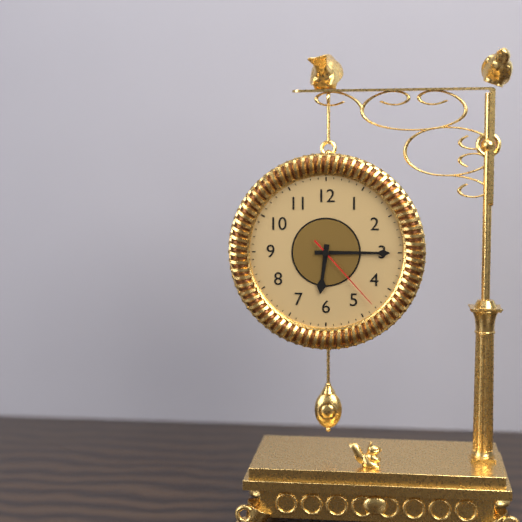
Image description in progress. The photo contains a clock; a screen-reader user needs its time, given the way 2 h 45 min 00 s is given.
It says 6 h 15 min 23 s
